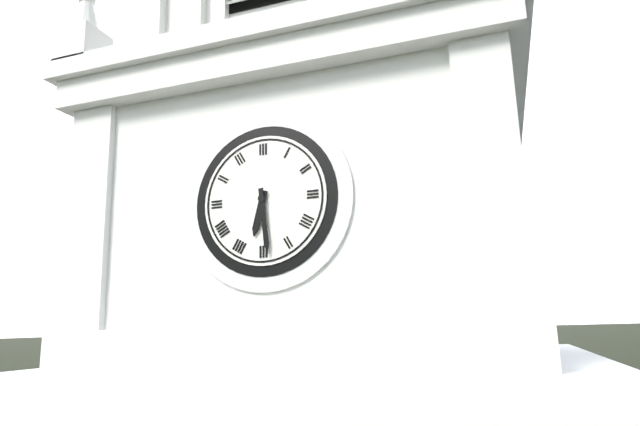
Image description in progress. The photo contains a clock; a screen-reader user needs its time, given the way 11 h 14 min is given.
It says 6 h 29 min
